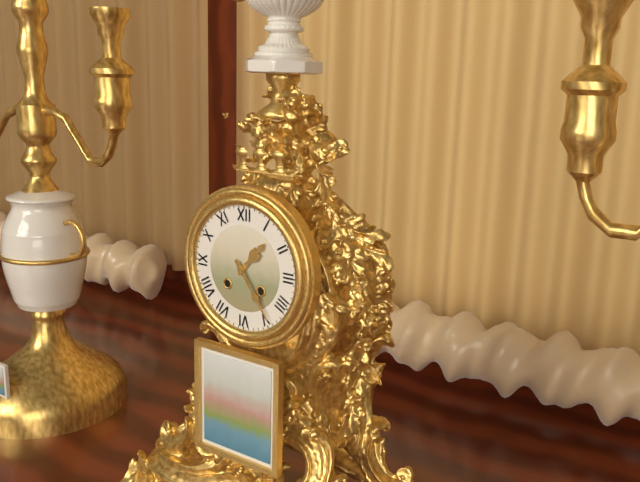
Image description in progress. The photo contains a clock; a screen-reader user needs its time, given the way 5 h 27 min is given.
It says 1 h 24 min
